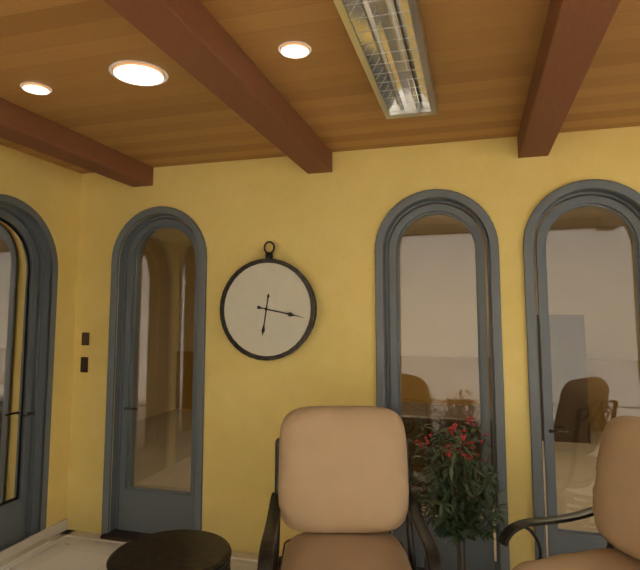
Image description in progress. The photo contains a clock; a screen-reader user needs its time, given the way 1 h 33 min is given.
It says 6 h 17 min
